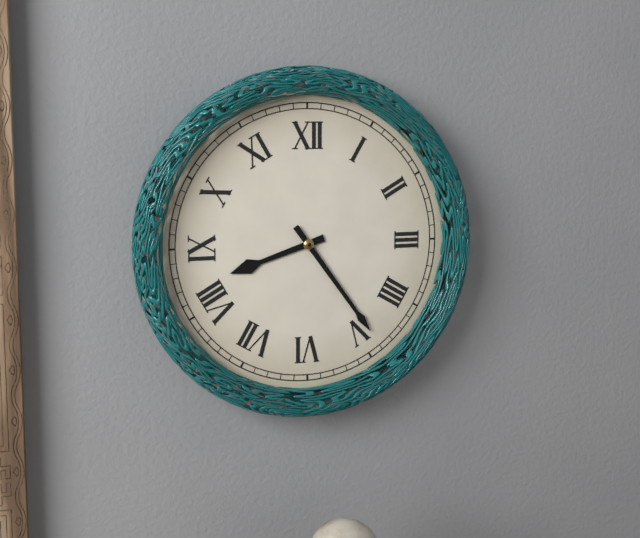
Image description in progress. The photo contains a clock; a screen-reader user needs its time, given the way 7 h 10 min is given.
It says 8 h 24 min
